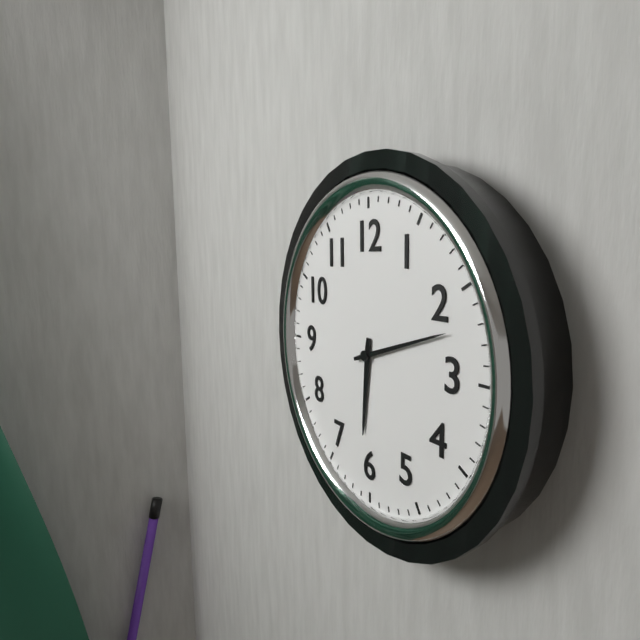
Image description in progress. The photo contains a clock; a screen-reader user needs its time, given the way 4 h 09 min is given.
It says 6 h 12 min
